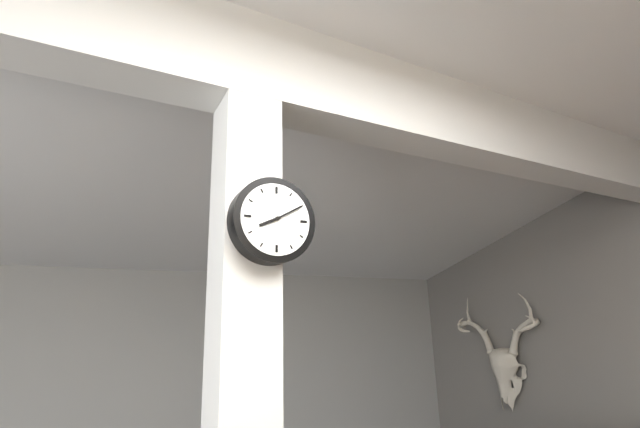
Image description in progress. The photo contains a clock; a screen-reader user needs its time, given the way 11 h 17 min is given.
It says 8 h 10 min
